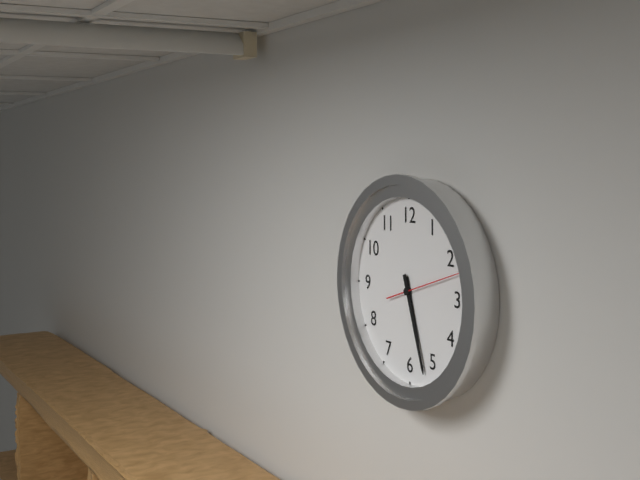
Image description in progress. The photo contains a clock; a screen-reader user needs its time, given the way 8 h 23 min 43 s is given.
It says 5 h 27 min 12 s
